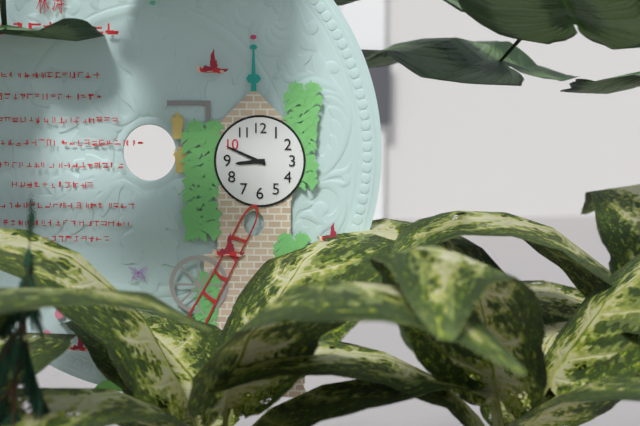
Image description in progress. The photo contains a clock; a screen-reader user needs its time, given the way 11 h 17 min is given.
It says 8 h 49 min
